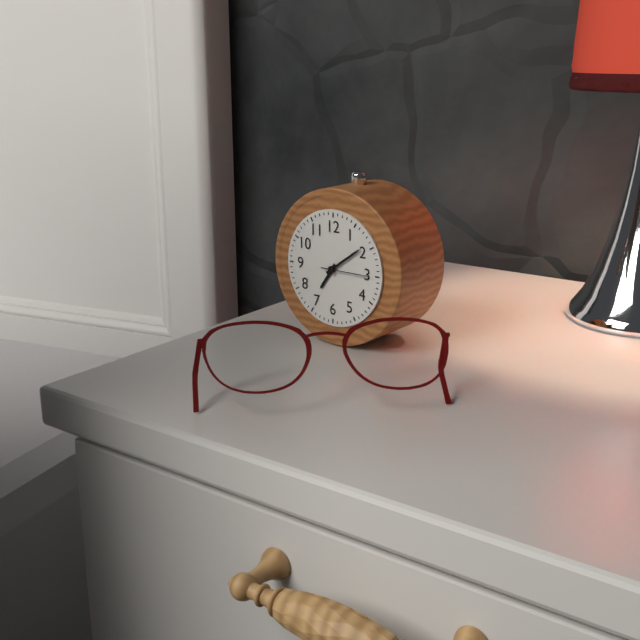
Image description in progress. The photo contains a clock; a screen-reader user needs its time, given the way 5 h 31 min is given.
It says 7 h 09 min
